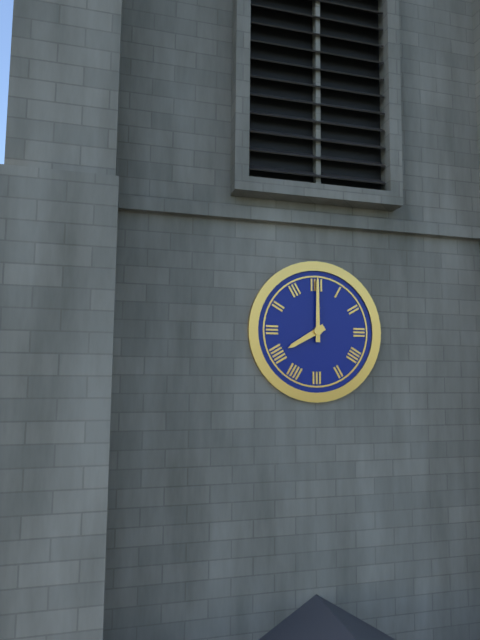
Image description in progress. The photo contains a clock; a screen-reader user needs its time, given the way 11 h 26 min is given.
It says 8 h 00 min
